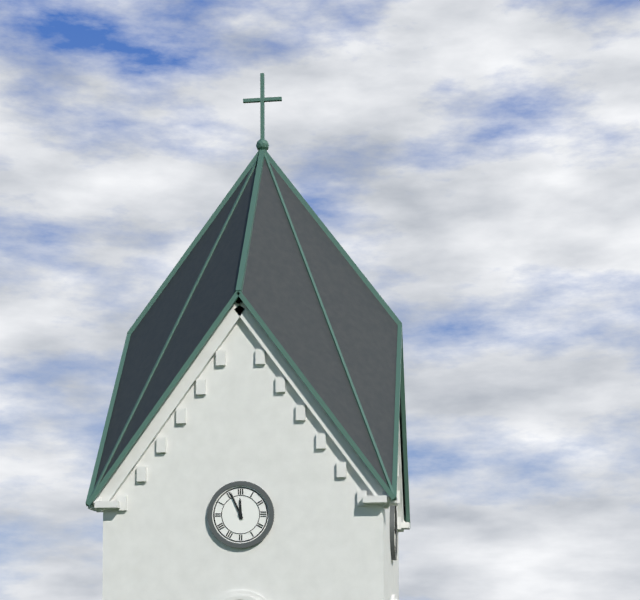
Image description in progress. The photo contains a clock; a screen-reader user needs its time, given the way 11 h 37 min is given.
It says 11 h 56 min
